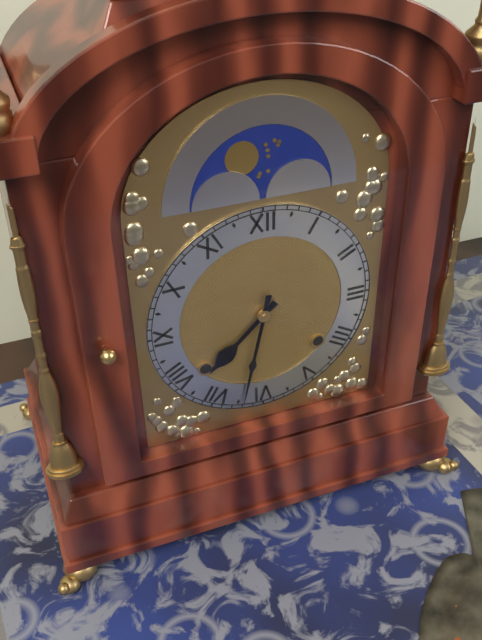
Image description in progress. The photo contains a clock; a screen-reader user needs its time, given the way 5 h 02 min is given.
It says 7 h 32 min
